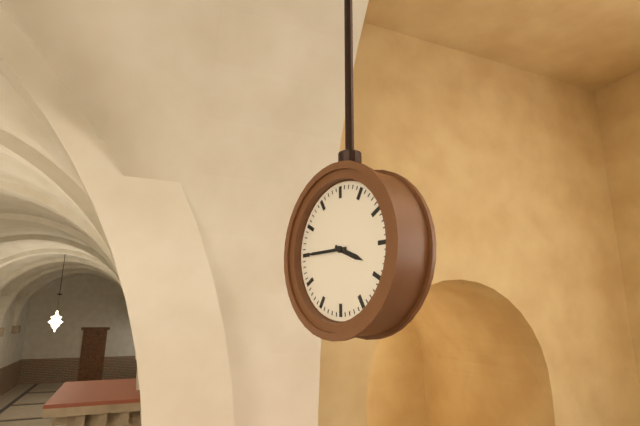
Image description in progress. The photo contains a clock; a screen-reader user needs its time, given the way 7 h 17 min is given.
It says 3 h 45 min
